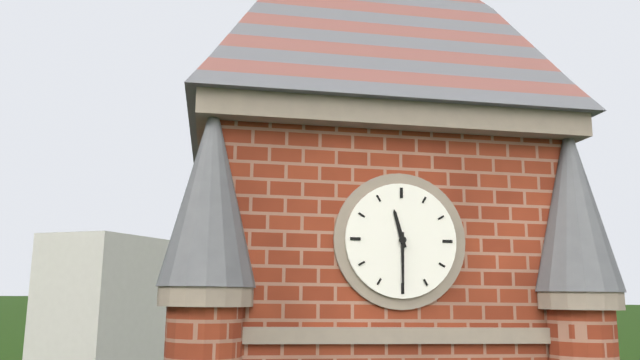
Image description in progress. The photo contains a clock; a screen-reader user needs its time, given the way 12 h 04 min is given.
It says 11 h 30 min
